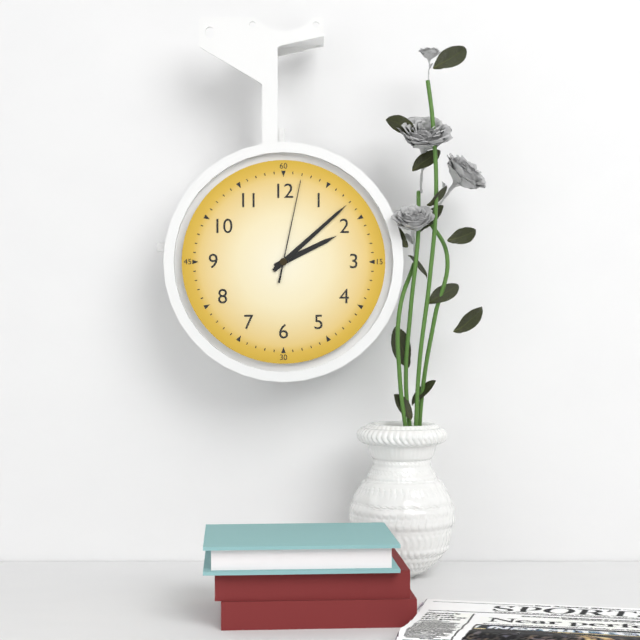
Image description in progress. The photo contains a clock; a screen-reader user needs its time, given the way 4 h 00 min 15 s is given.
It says 2 h 08 min 02 s
